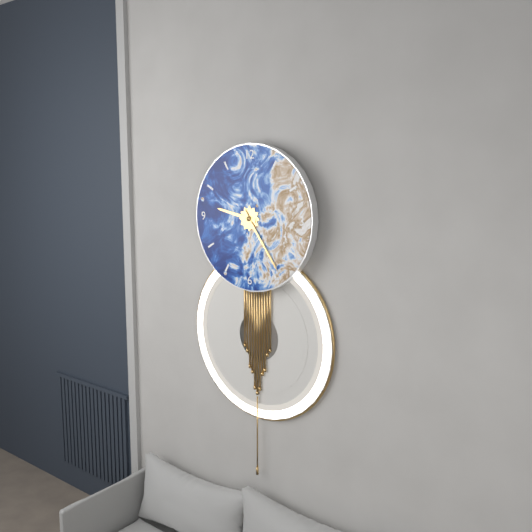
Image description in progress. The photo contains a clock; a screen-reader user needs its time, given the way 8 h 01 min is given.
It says 9 h 24 min
